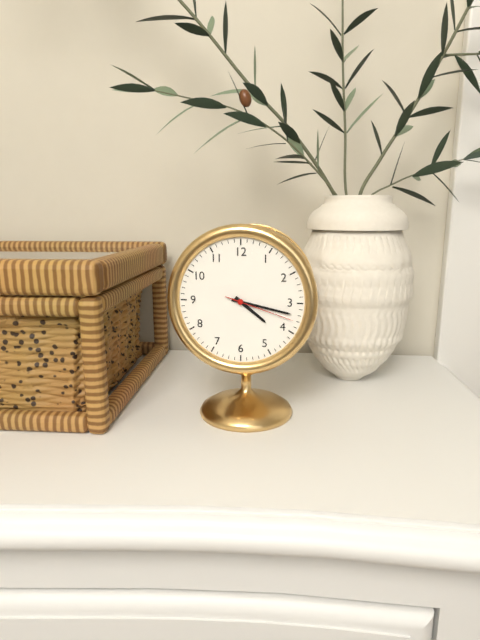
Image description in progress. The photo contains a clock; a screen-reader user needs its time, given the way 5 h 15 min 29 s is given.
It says 4 h 17 min 18 s
